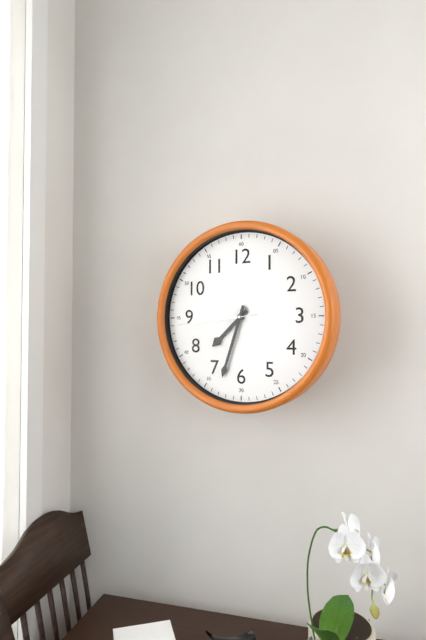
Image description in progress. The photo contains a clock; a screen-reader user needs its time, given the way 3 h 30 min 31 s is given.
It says 7 h 33 min 44 s
